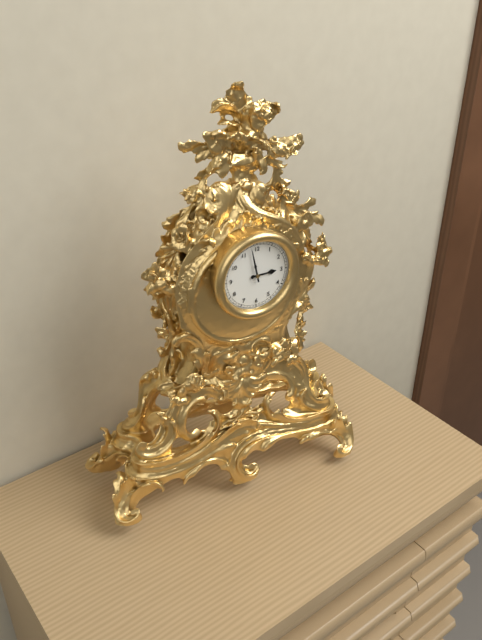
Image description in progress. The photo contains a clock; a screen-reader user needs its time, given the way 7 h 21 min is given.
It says 2 h 58 min
